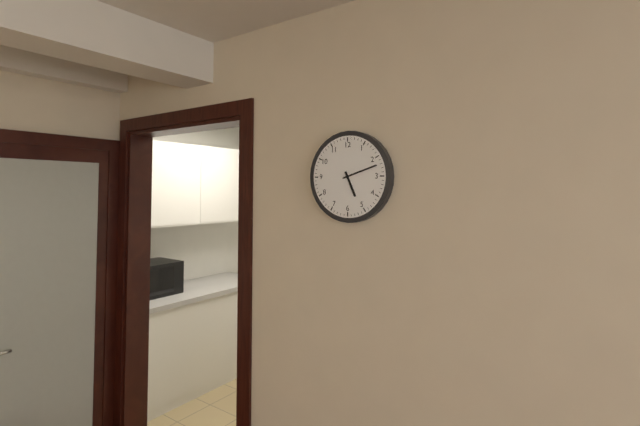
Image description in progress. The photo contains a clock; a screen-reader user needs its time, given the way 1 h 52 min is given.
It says 5 h 12 min
